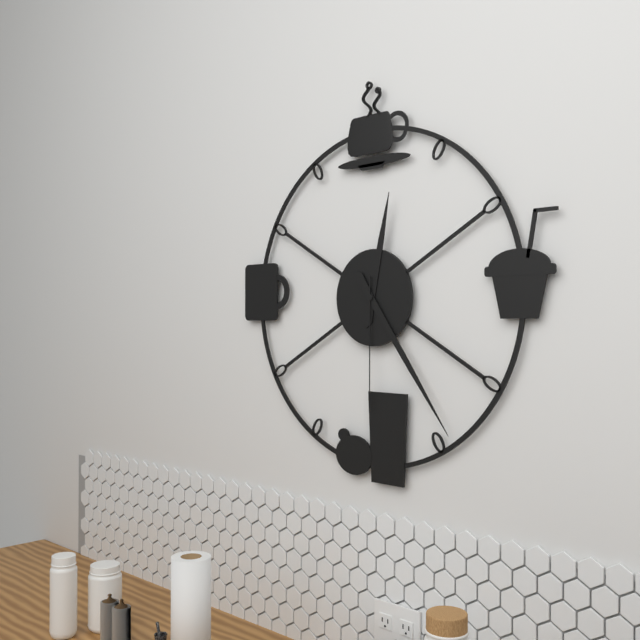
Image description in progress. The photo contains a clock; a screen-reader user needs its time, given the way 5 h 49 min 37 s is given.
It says 12 h 24 min 30 s
